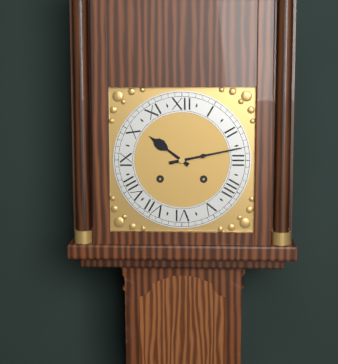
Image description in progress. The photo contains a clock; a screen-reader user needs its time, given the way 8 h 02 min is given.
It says 10 h 13 min
